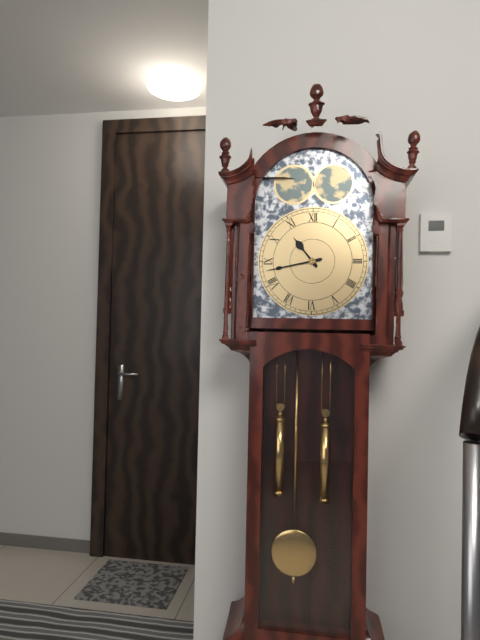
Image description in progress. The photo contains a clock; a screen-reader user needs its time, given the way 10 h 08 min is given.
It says 10 h 43 min
